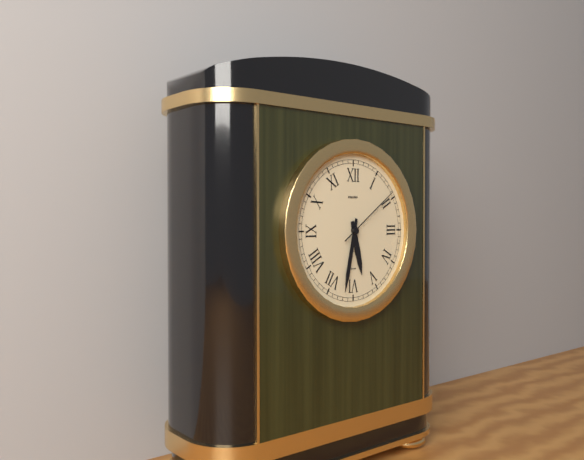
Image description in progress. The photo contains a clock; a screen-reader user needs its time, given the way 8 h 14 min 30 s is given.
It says 5 h 32 min 09 s
